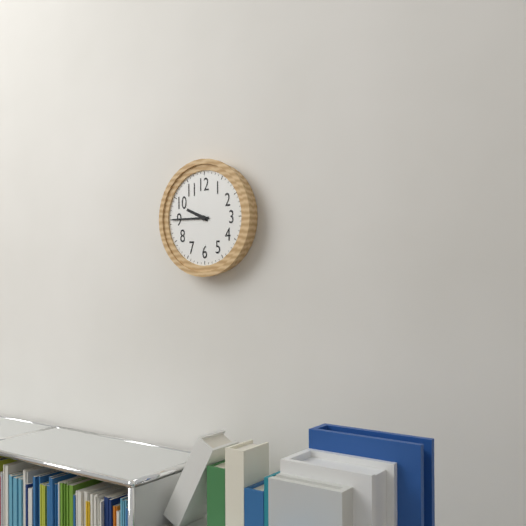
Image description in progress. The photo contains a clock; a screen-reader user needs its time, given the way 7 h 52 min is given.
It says 9 h 45 min
